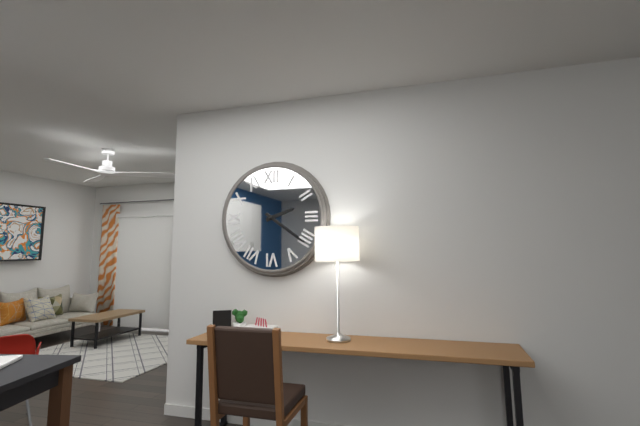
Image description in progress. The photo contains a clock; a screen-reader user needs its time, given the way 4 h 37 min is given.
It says 2 h 21 min
